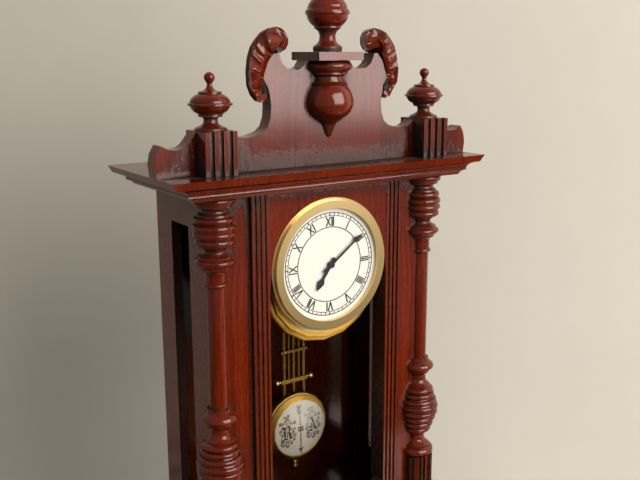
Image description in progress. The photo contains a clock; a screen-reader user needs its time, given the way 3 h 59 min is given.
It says 7 h 09 min
